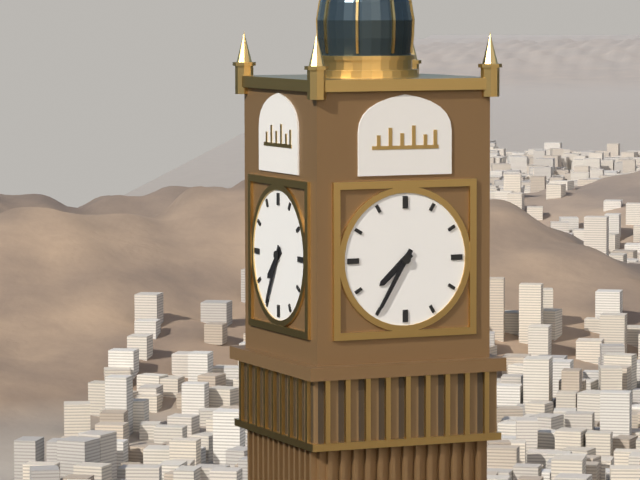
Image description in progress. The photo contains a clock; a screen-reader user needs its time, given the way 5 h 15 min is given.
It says 7 h 35 min
